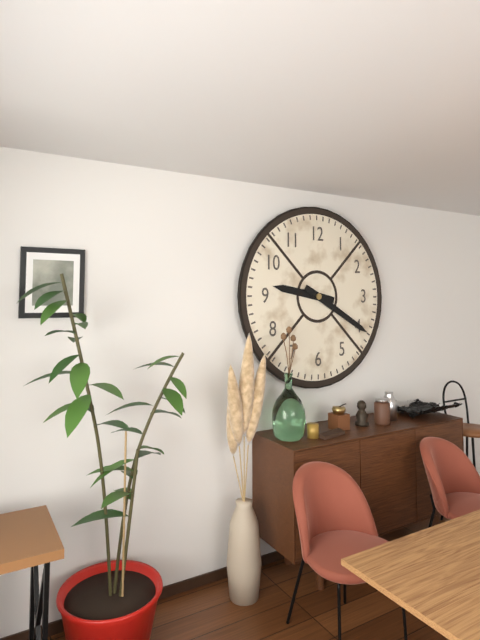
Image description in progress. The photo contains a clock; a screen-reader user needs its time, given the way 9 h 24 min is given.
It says 9 h 20 min
